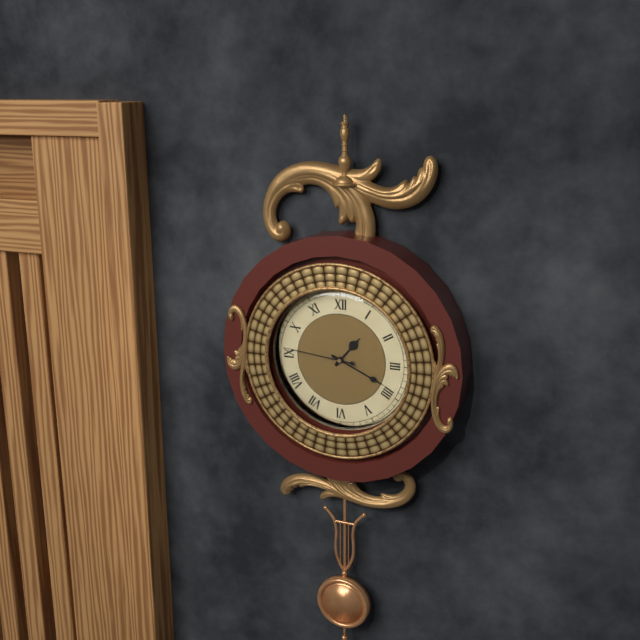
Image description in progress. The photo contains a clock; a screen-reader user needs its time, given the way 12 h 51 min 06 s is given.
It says 1 h 19 min 46 s
